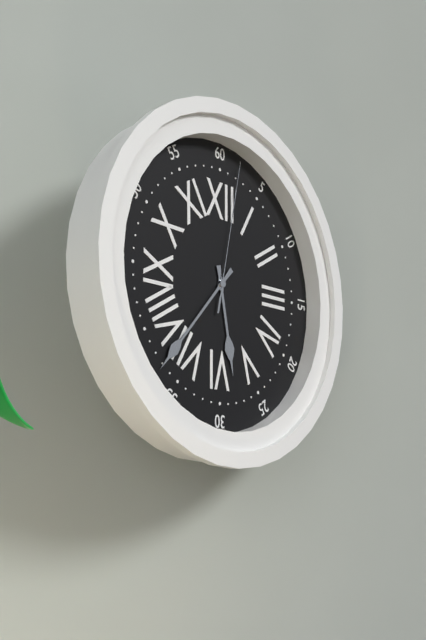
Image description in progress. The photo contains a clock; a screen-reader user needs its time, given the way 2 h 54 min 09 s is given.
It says 5 h 37 min 02 s
